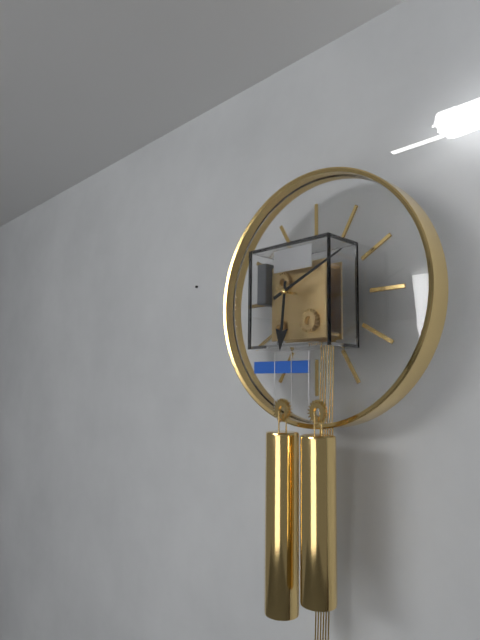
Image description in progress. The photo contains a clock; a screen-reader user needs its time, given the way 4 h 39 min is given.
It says 6 h 11 min
